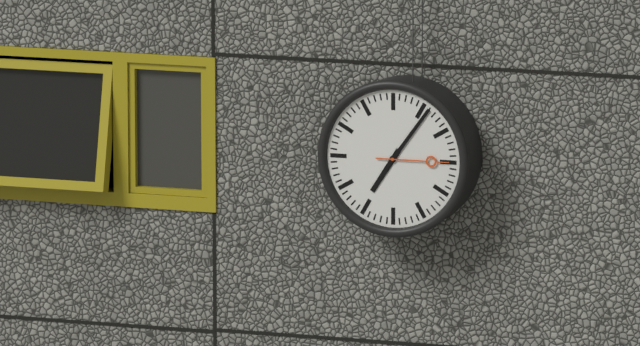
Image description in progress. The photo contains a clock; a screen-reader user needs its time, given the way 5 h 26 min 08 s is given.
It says 7 h 06 min 15 s
